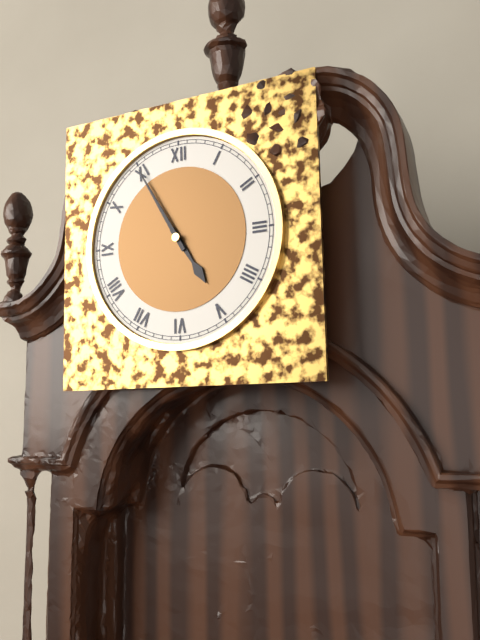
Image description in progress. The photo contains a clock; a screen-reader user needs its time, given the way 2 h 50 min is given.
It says 4 h 55 min
